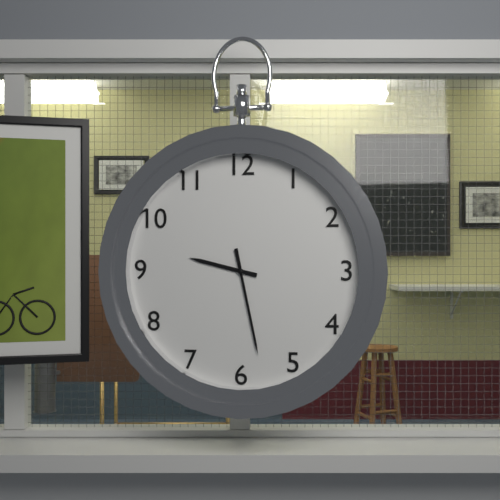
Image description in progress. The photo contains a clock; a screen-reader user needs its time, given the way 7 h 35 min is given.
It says 9 h 28 min
